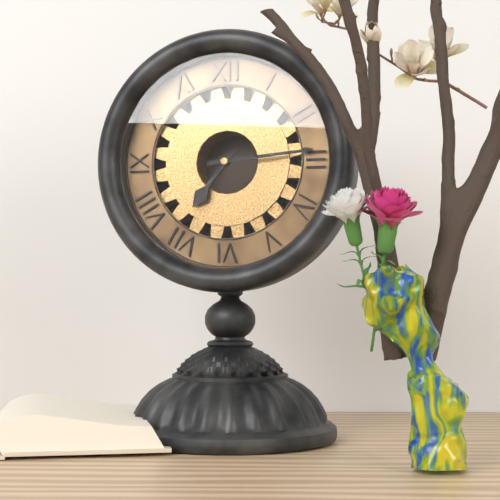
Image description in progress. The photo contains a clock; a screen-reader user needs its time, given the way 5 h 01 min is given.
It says 7 h 14 min
